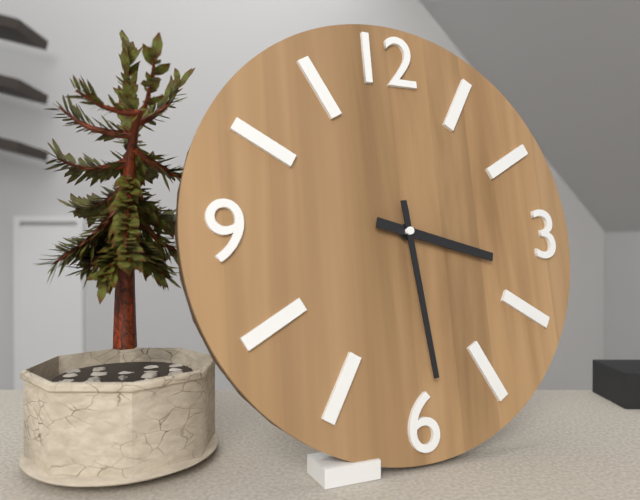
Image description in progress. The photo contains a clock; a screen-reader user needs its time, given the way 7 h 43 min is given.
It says 3 h 29 min
